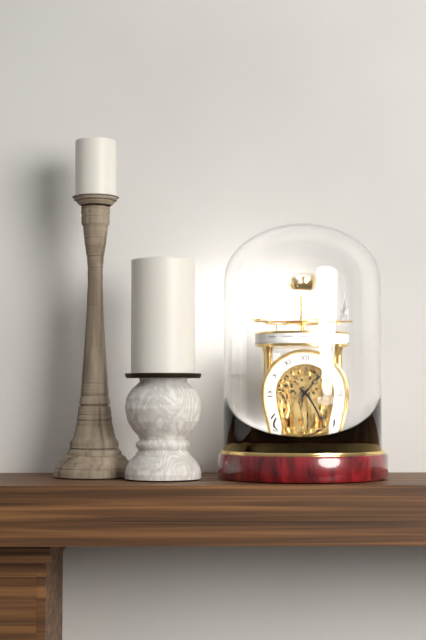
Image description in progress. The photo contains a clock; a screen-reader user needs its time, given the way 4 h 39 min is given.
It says 1 h 22 min
